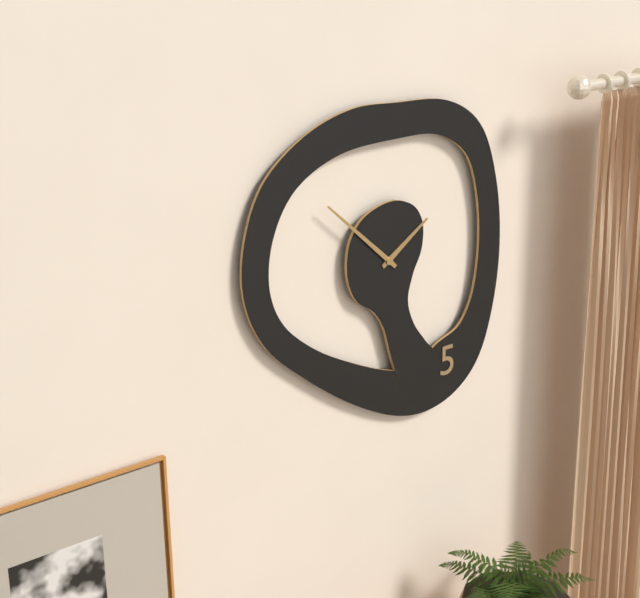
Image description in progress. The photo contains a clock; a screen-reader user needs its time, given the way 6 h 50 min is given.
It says 1 h 52 min
